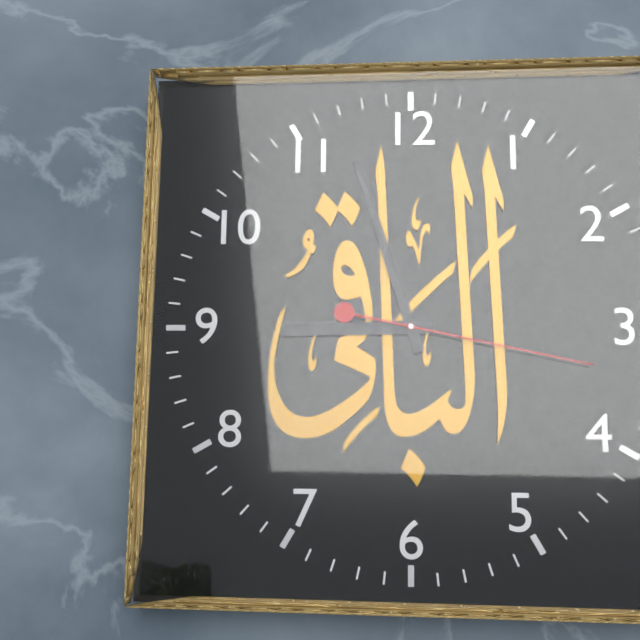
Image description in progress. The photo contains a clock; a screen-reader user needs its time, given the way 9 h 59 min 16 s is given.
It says 8 h 57 min 17 s
